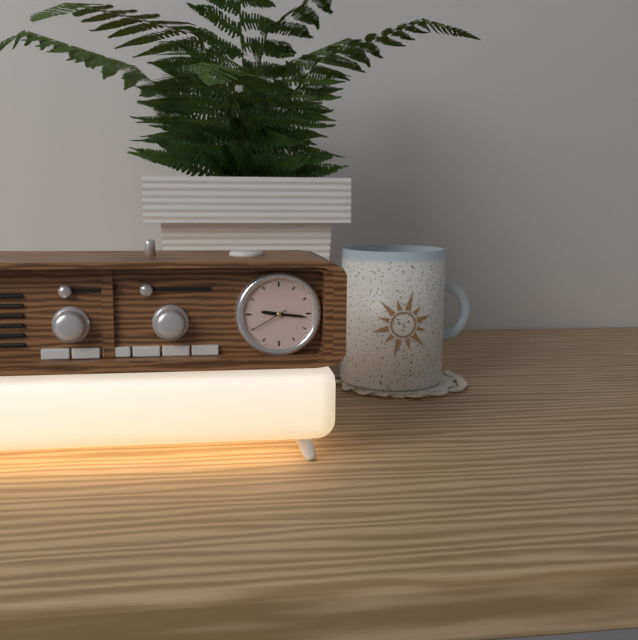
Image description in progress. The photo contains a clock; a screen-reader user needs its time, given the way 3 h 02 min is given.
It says 9 h 16 min
